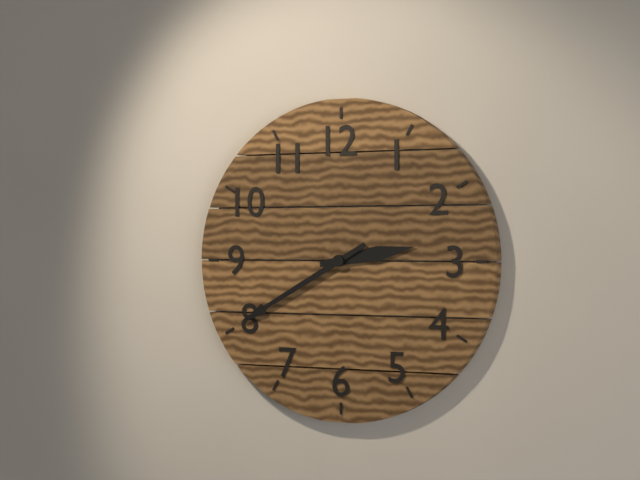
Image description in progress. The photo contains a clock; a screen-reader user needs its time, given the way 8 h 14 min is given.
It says 2 h 40 min
